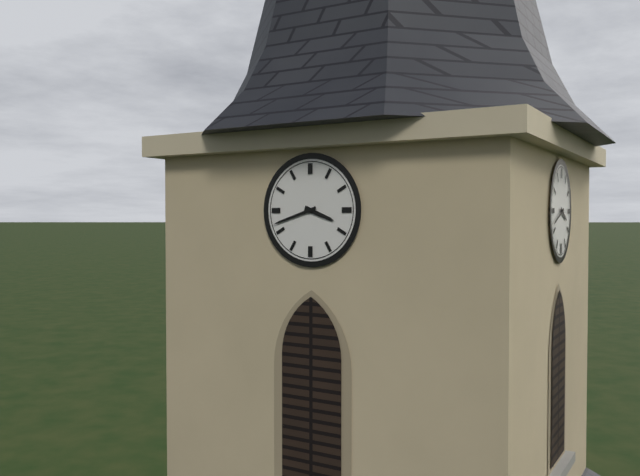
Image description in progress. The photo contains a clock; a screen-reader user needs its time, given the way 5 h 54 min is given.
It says 3 h 42 min
